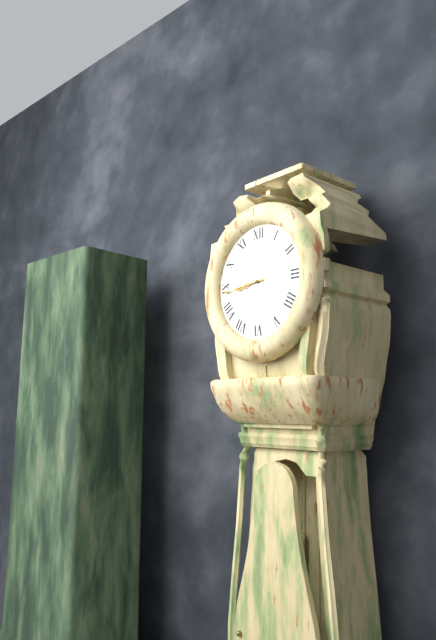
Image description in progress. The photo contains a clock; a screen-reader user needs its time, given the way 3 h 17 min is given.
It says 8 h 44 min
